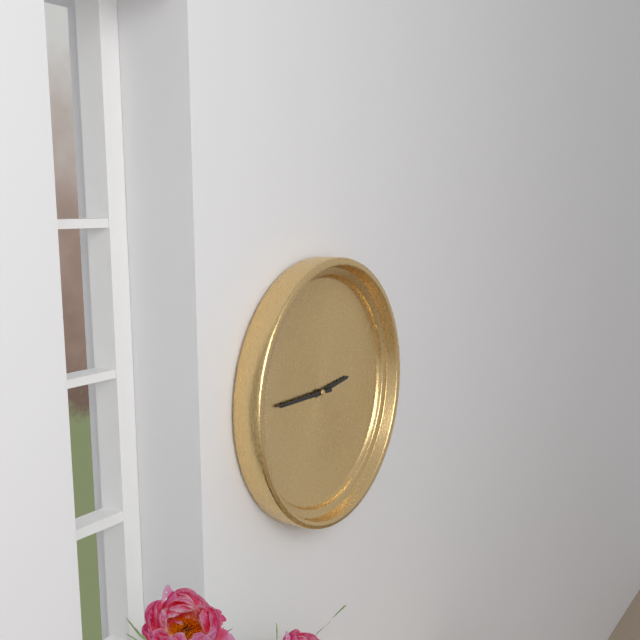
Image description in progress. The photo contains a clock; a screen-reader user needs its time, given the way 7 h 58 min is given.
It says 2 h 45 min
